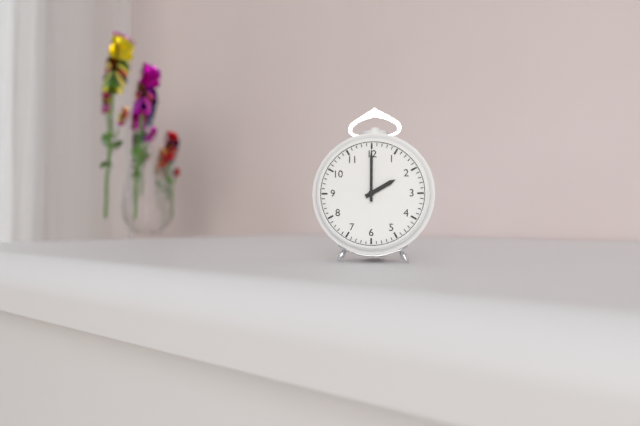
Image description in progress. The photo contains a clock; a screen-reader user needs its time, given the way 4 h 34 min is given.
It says 2 h 00 min
